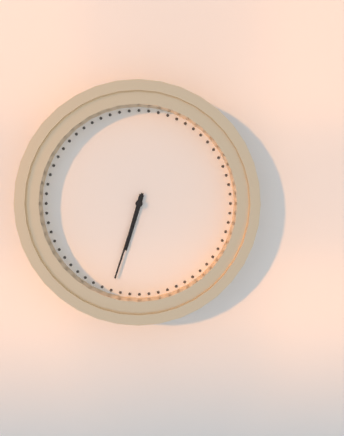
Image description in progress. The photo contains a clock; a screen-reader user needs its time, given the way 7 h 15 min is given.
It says 6 h 33 min
